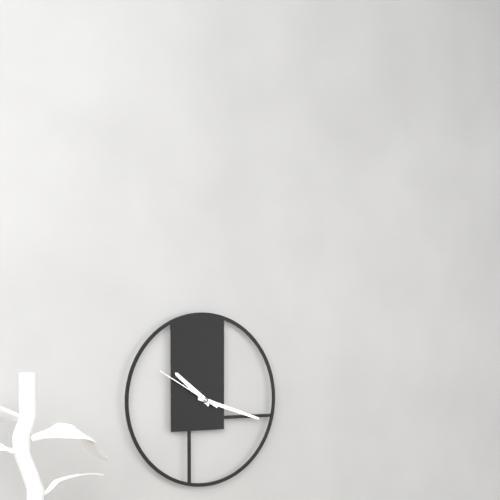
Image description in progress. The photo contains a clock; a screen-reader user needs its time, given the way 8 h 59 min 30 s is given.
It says 10 h 18 min 50 s
